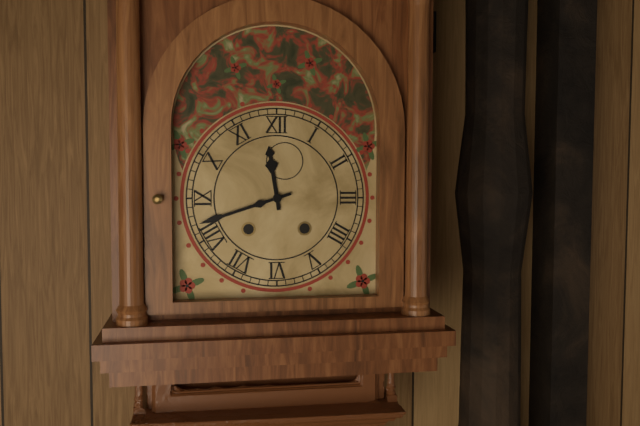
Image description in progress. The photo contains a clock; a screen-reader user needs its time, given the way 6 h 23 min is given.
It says 11 h 42 min
